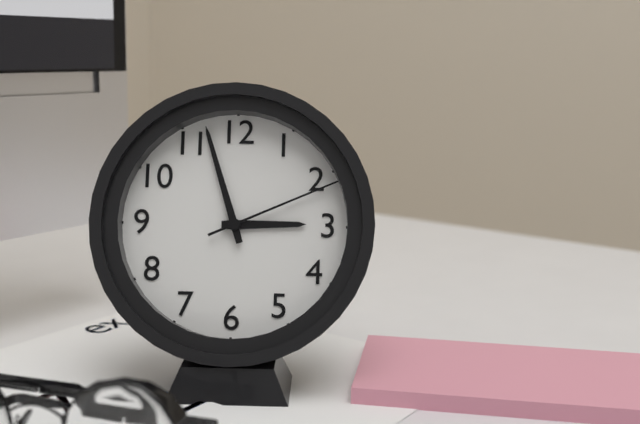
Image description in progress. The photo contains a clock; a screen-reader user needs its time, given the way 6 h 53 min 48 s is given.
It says 2 h 57 min 11 s
